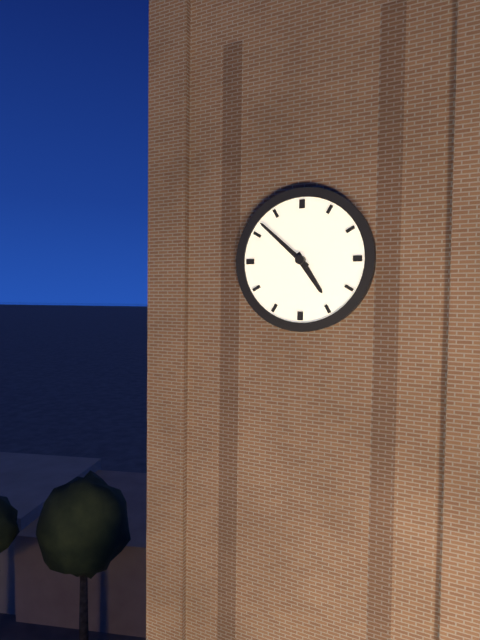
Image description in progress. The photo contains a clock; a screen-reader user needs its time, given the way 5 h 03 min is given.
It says 4 h 52 min
